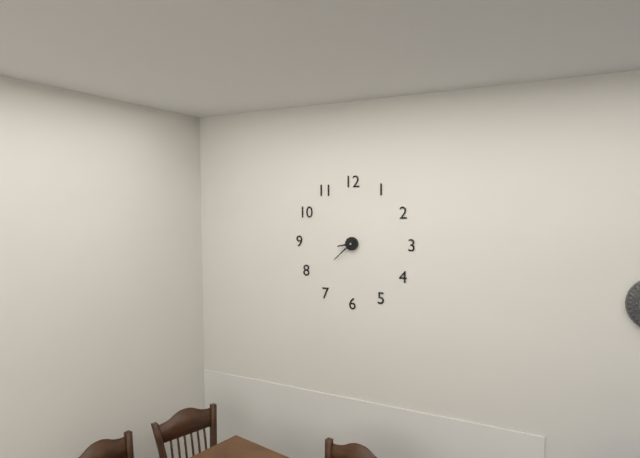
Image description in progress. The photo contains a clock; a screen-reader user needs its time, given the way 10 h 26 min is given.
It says 8 h 38 min
